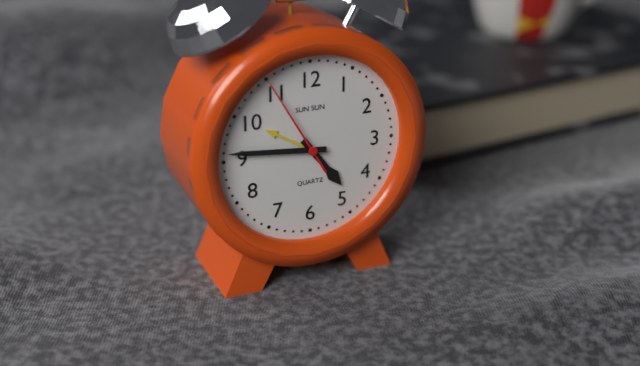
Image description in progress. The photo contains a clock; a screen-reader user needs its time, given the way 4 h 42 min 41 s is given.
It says 4 h 46 min 55 s
